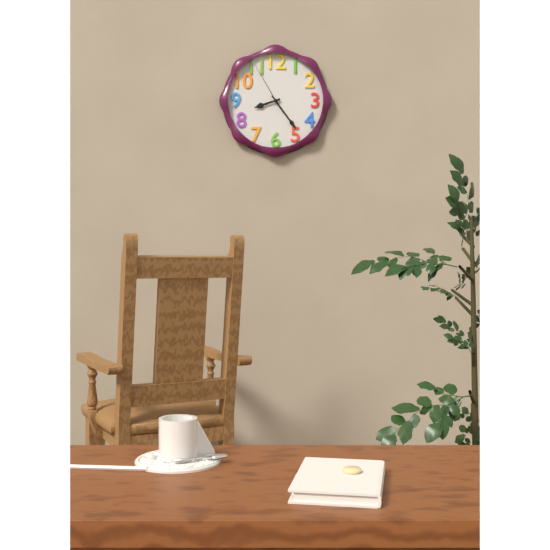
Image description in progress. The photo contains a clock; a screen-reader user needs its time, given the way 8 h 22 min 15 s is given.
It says 8 h 24 min 55 s
